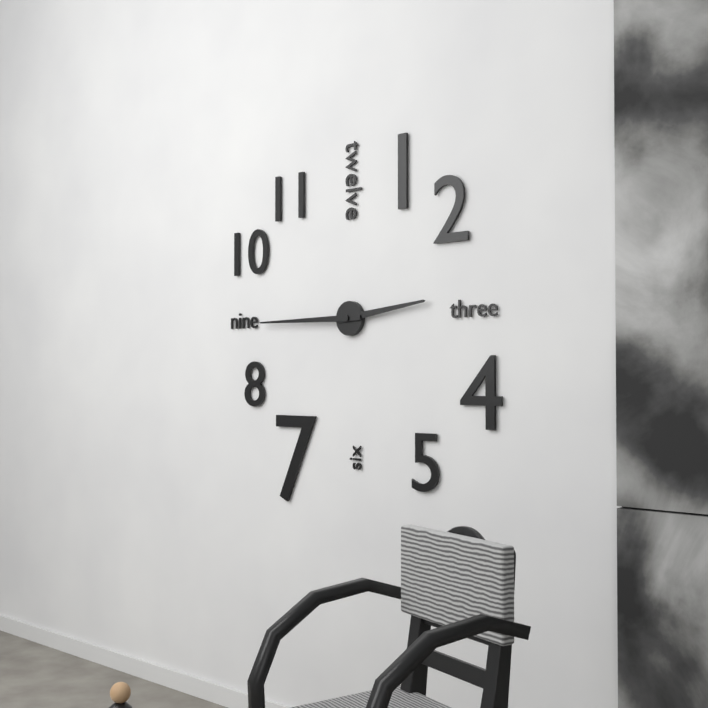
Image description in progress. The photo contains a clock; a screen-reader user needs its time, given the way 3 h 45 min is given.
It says 2 h 45 min
